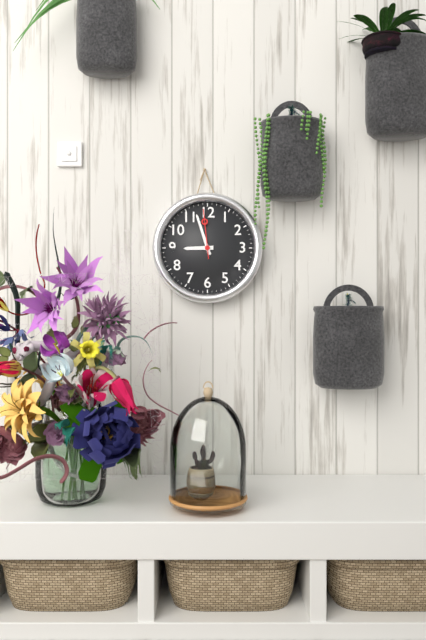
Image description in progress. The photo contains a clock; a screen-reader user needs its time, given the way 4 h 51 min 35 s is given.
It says 8 h 57 min 59 s
